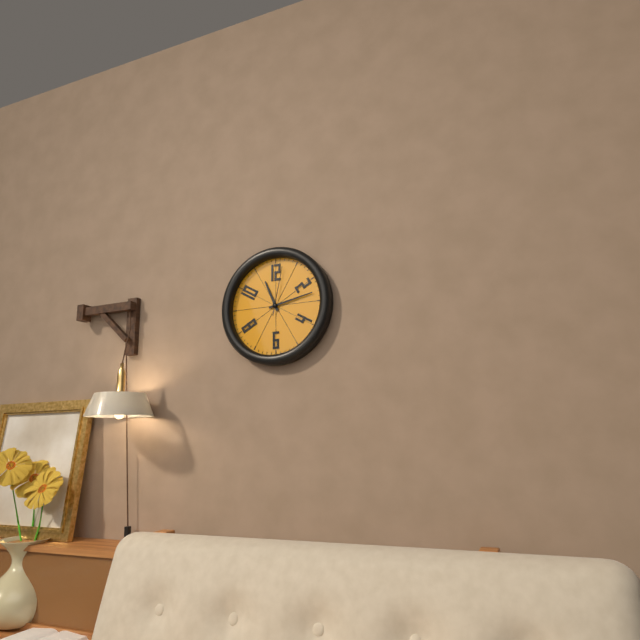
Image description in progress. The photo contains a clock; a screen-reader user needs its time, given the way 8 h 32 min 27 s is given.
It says 11 h 13 min 02 s
